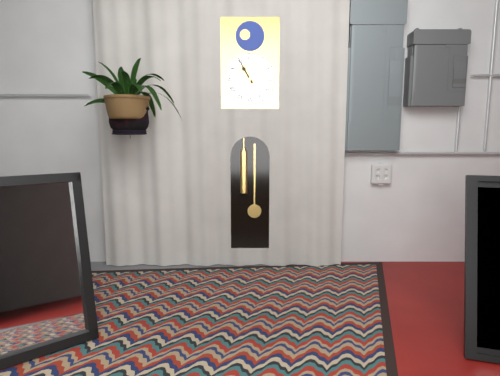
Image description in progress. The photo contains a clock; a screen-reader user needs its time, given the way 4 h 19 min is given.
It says 10 h 55 min
